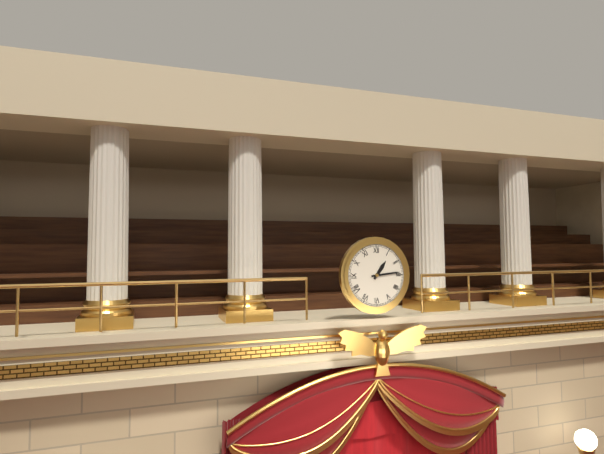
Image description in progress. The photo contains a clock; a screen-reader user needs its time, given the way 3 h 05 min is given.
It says 1 h 14 min
